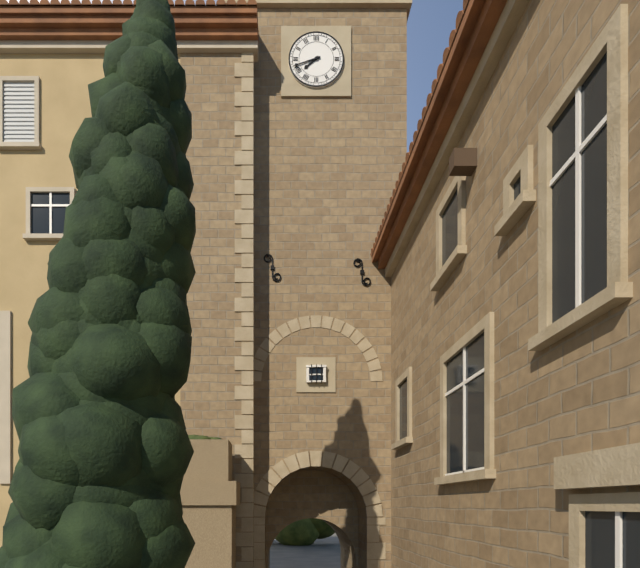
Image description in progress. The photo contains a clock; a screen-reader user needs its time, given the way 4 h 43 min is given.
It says 7 h 42 min
